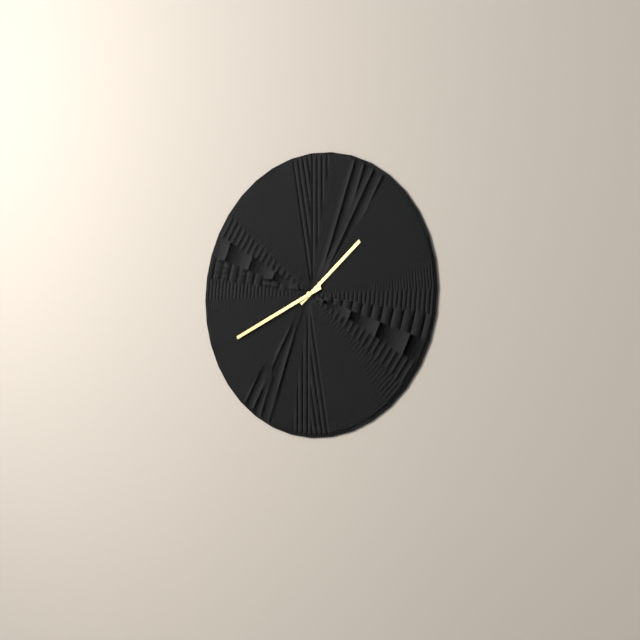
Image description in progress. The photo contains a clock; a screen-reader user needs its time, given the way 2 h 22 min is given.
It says 1 h 41 min
